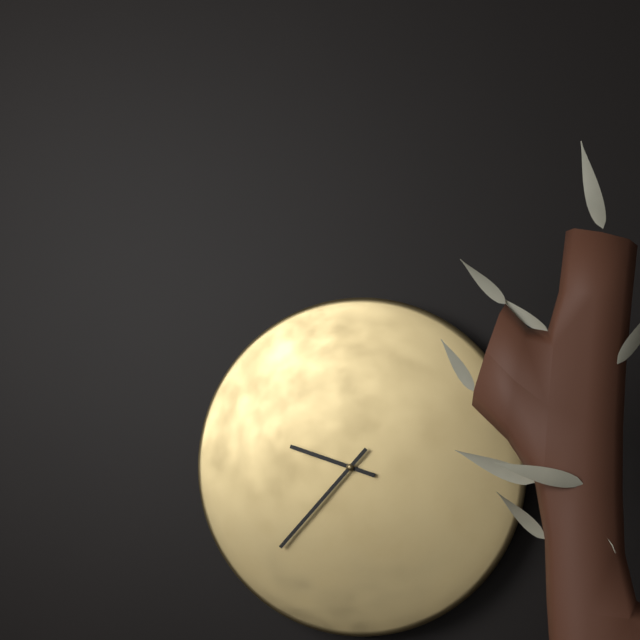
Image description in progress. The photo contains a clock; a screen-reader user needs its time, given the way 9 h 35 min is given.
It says 9 h 37 min
